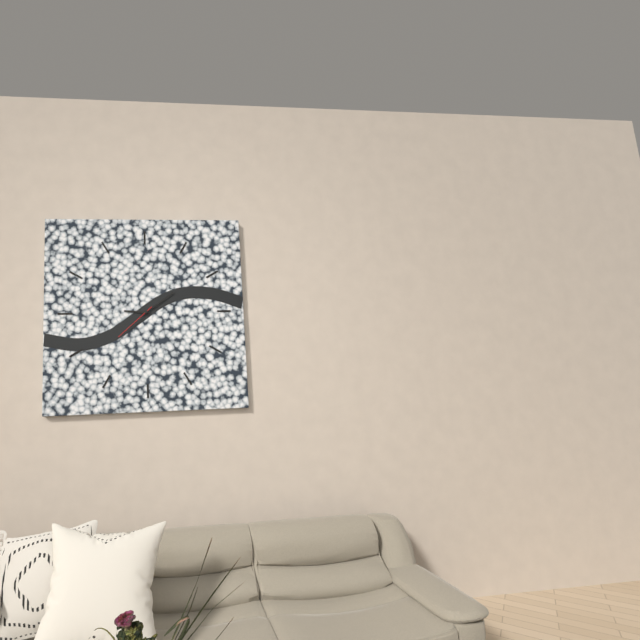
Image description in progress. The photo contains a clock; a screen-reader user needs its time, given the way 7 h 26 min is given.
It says 9 h 09 min
